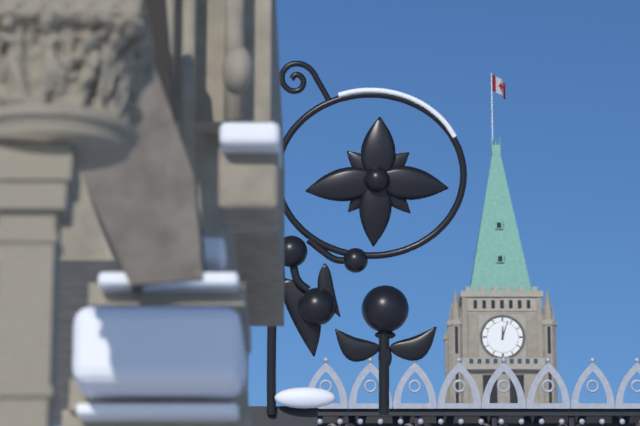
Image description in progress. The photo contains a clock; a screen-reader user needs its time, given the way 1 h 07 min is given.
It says 12 h 03 min
